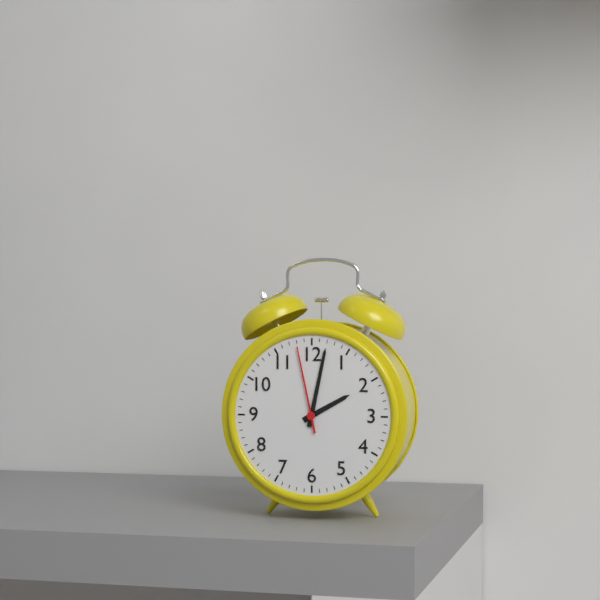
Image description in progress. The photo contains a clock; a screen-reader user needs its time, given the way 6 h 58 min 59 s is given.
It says 2 h 02 min 58 s
